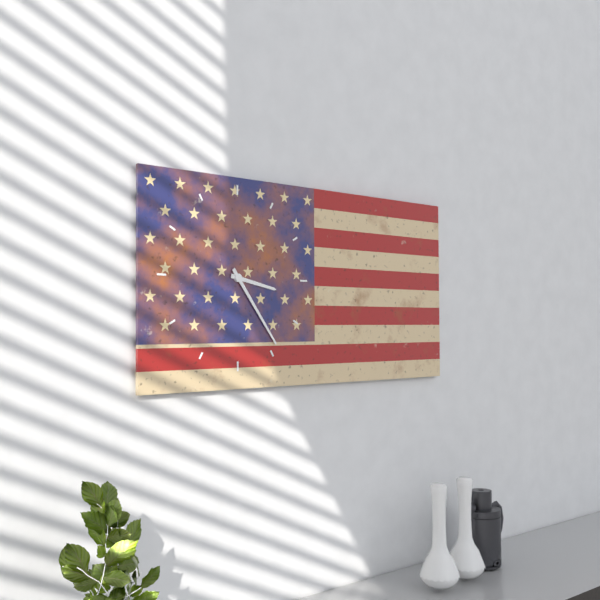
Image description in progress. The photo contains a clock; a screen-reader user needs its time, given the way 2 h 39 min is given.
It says 3 h 24 min
